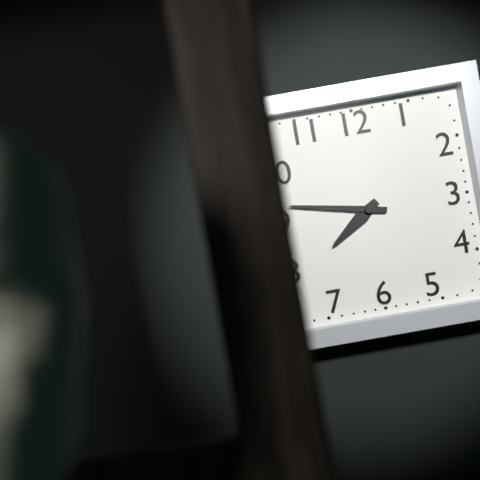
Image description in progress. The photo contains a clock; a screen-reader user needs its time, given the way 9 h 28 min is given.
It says 7 h 47 min
